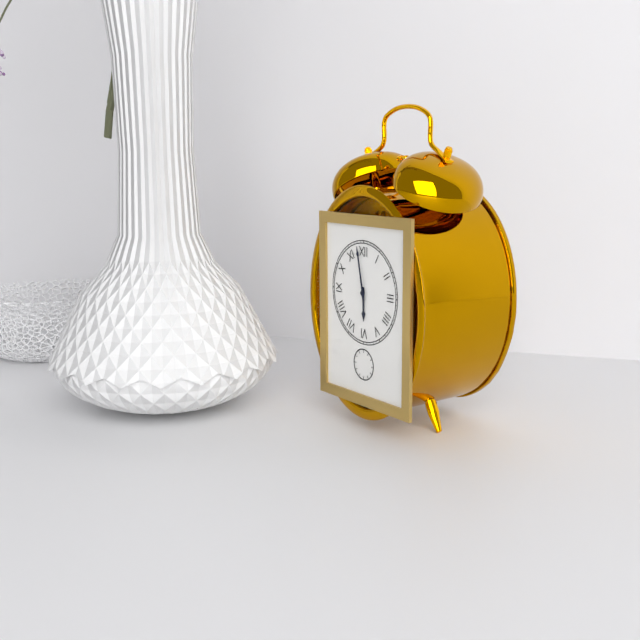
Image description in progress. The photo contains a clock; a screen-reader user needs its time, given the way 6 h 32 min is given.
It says 5 h 58 min
